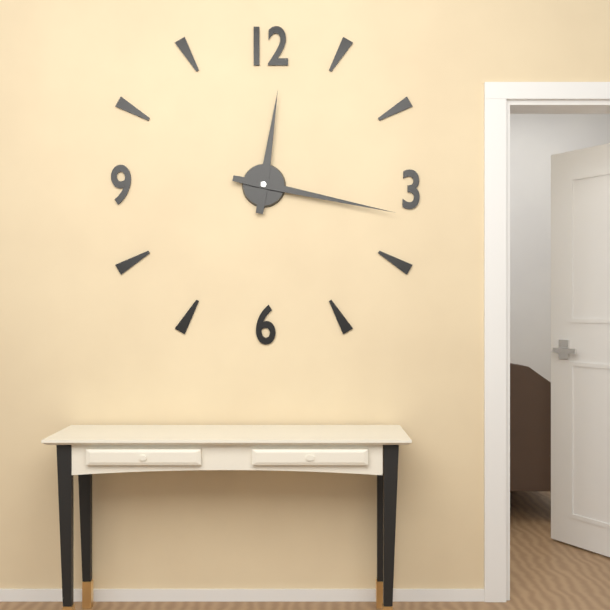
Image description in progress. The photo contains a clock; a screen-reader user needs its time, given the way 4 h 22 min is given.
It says 12 h 17 min
